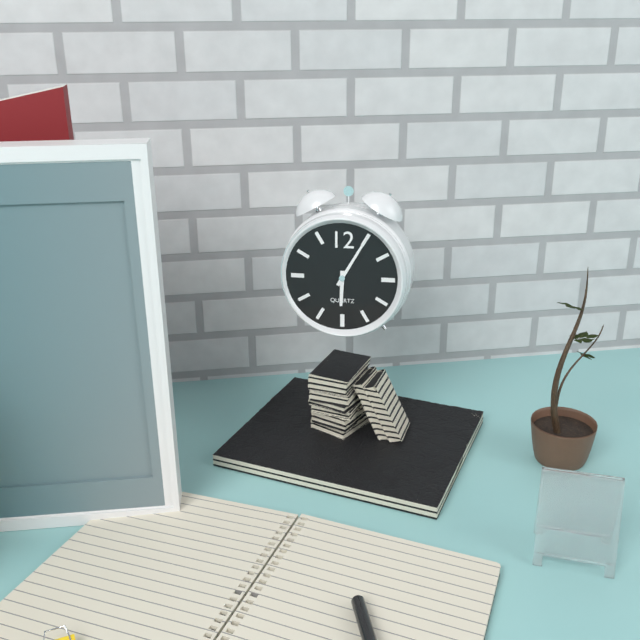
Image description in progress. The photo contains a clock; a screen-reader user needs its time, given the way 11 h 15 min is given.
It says 6 h 05 min
